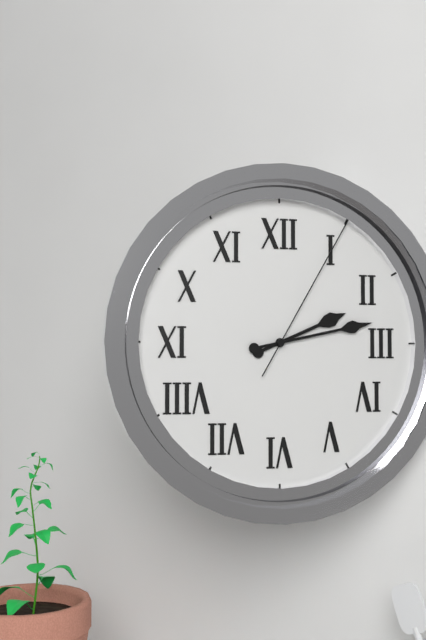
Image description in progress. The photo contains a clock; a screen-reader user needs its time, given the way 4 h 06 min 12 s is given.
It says 2 h 13 min 05 s
